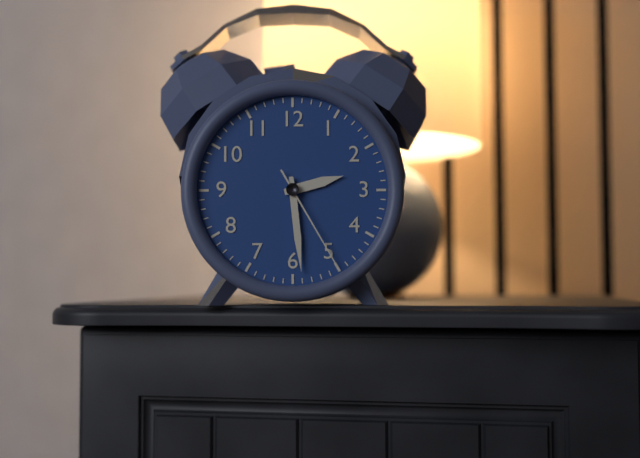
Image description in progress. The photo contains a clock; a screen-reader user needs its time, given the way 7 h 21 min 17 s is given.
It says 2 h 29 min 25 s
